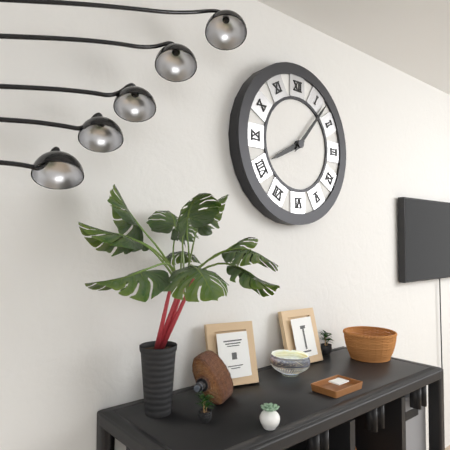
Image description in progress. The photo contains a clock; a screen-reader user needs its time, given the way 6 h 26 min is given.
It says 8 h 07 min
